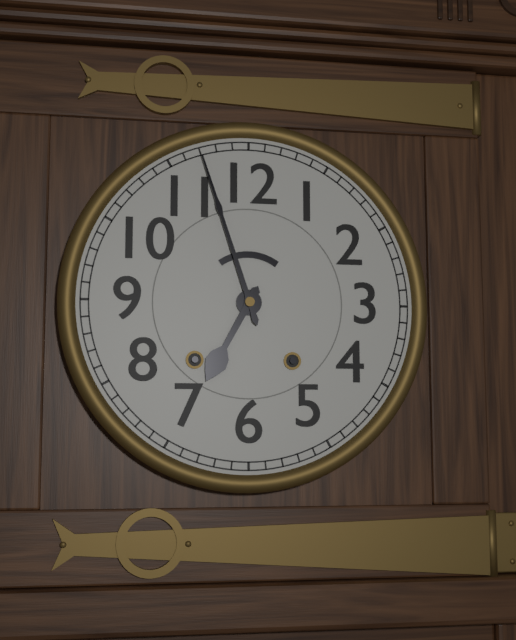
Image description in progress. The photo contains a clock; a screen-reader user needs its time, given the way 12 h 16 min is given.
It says 6 h 57 min
